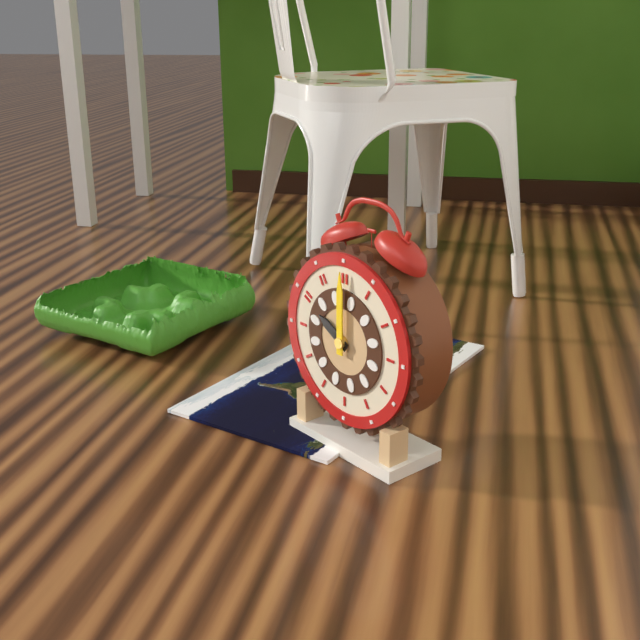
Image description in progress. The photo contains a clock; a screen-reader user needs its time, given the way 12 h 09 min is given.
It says 10 h 00 min
